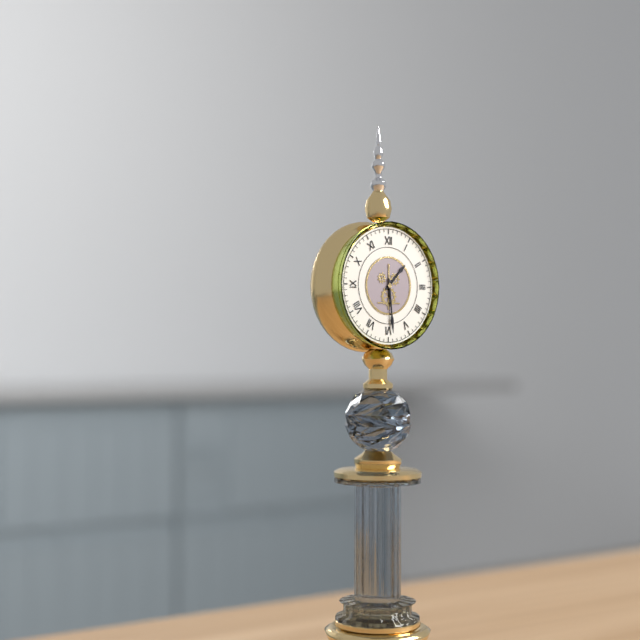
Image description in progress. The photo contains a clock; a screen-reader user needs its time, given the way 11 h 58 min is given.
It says 1 h 29 min
